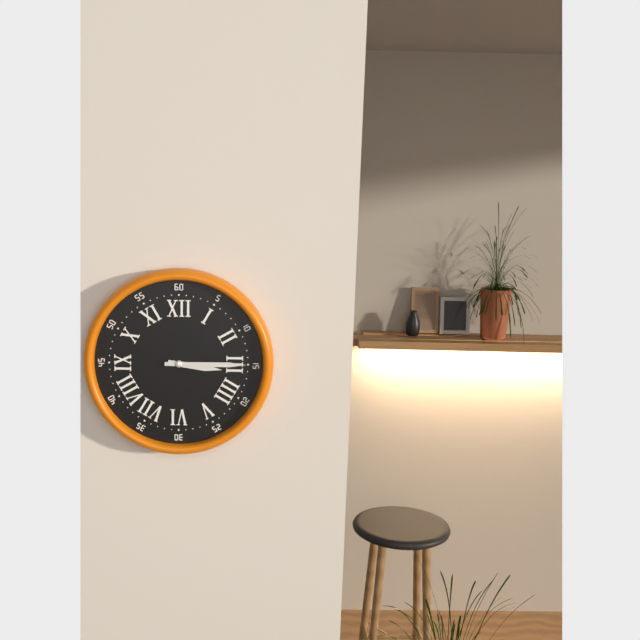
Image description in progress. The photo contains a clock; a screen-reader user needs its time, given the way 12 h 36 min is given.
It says 3 h 15 min
